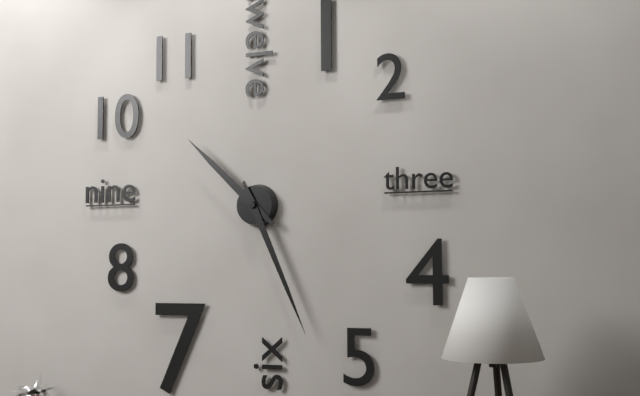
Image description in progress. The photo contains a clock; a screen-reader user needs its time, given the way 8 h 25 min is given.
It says 10 h 26 min
